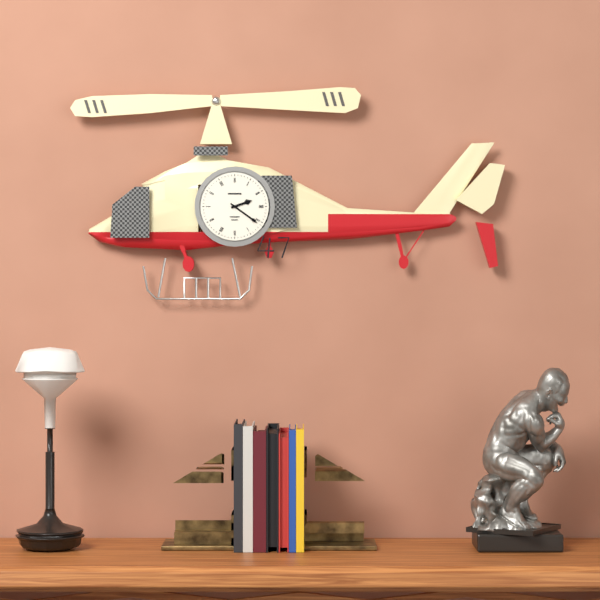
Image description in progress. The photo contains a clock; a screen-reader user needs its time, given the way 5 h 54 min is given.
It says 2 h 21 min
